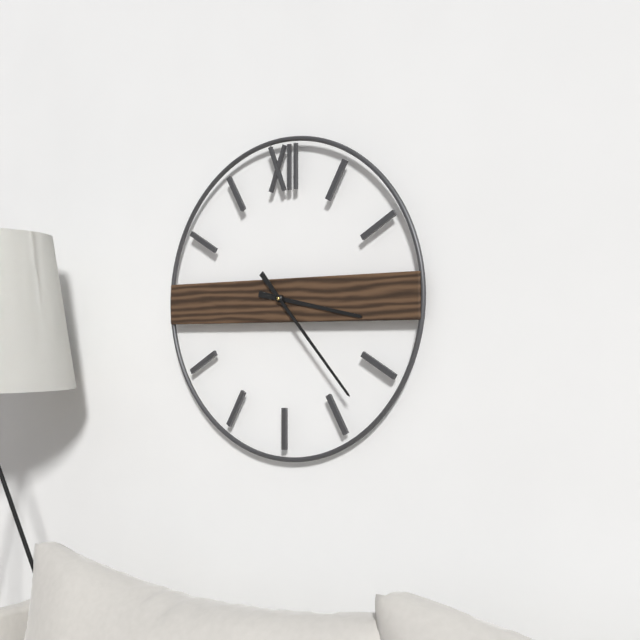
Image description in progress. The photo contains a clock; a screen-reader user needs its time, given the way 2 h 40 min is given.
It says 3 h 23 min
